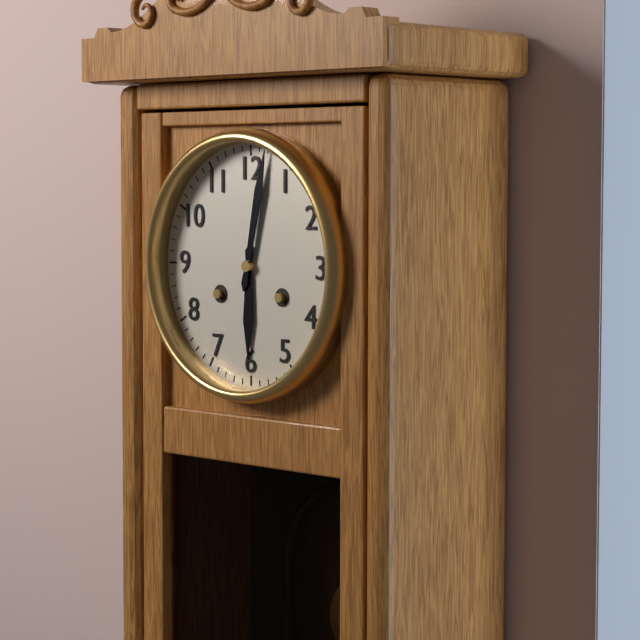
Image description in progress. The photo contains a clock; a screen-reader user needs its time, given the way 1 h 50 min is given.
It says 6 h 02 min
